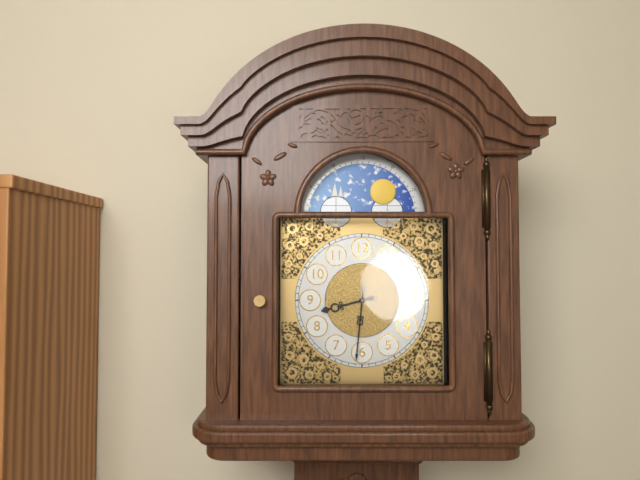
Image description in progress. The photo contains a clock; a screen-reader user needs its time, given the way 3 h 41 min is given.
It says 8 h 31 min
